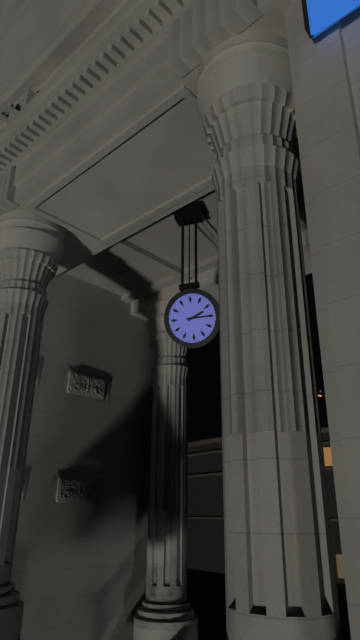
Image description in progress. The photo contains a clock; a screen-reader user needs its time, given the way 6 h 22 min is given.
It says 2 h 15 min
